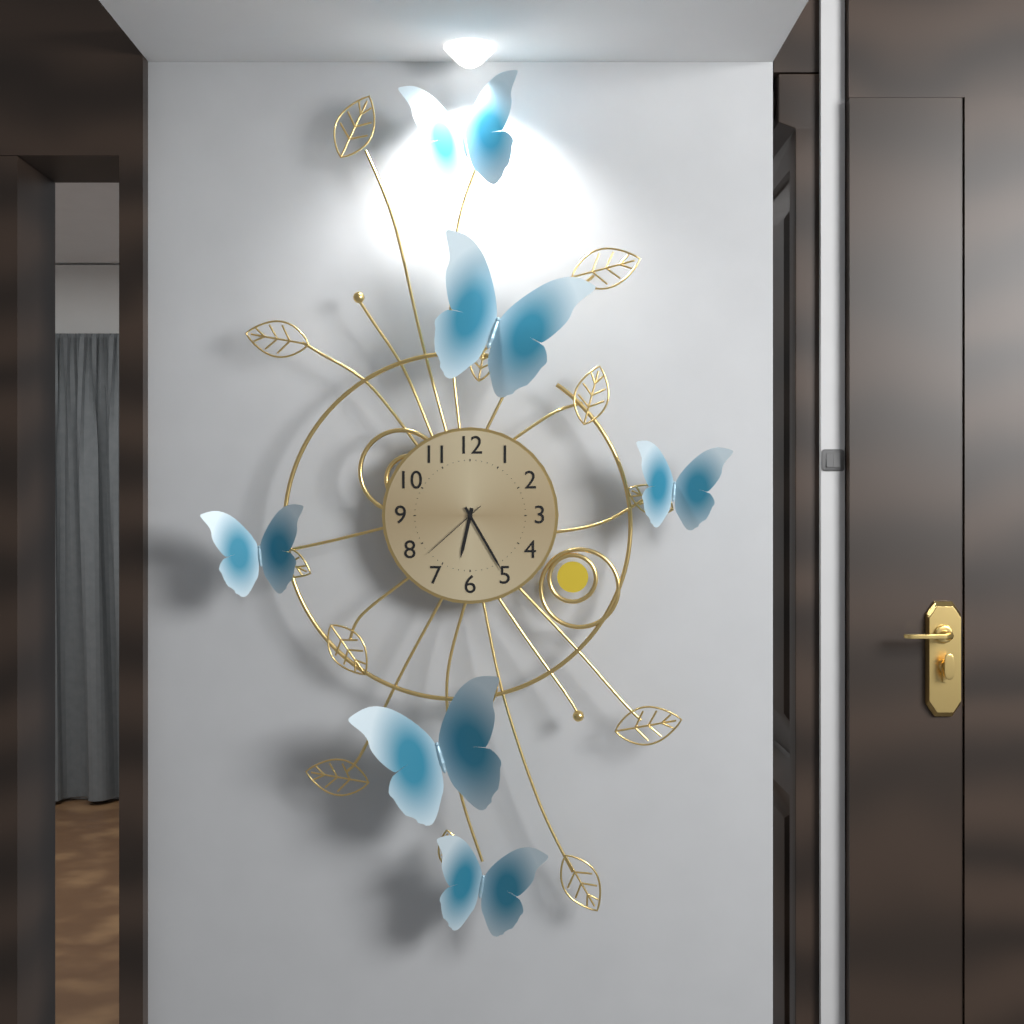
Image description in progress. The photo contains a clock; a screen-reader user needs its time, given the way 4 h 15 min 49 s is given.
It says 6 h 25 min 38 s
